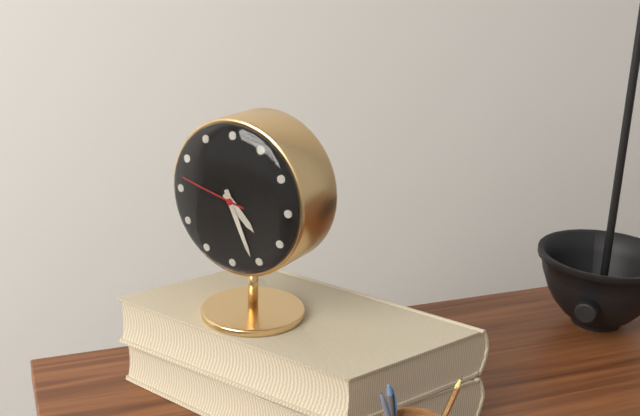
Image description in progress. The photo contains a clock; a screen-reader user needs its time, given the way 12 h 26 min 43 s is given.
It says 4 h 26 min 47 s
